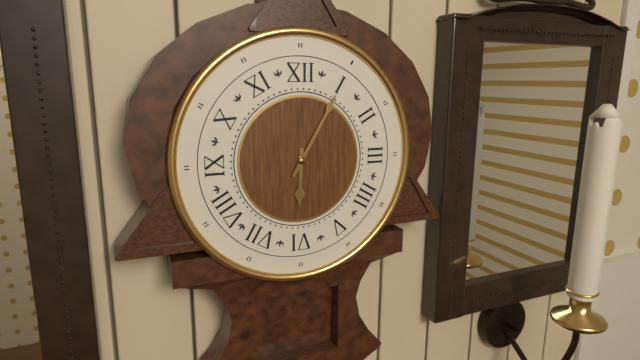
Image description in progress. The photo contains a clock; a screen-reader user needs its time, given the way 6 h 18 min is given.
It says 6 h 05 min
